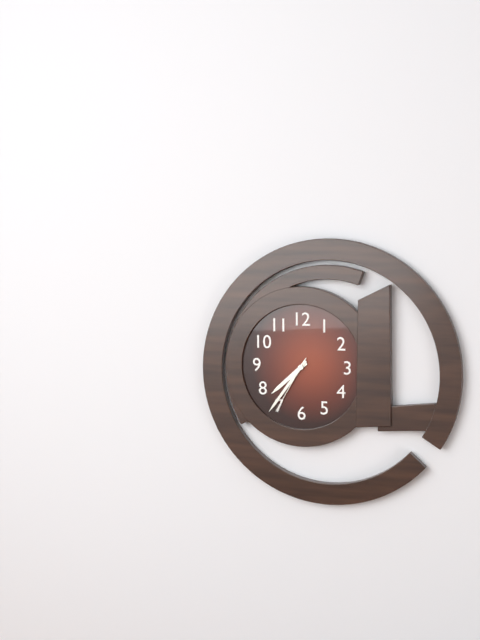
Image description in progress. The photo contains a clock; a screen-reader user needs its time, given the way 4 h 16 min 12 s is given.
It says 7 h 36 min 35 s
